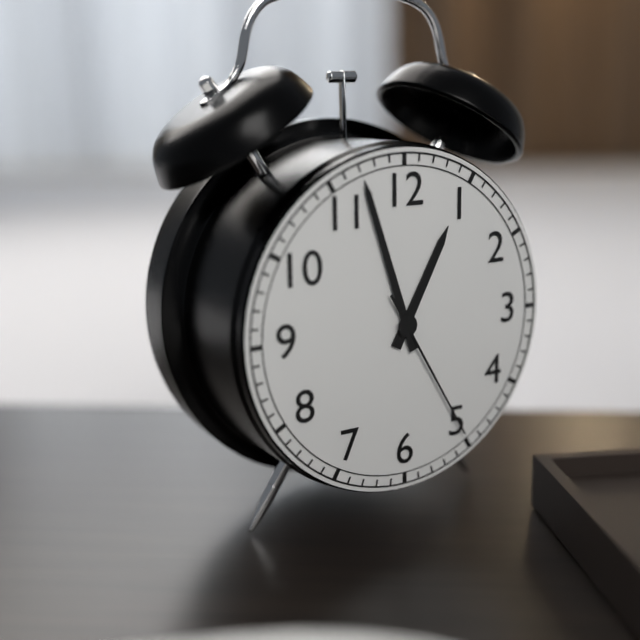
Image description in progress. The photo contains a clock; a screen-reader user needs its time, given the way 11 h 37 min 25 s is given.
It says 12 h 57 min 25 s
